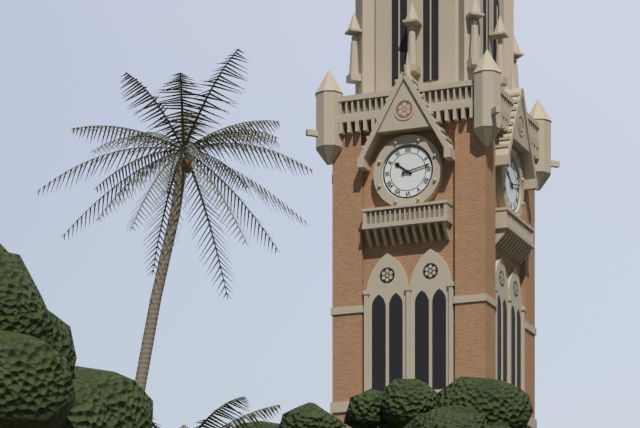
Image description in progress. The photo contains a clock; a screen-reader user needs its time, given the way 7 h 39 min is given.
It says 10 h 13 min
